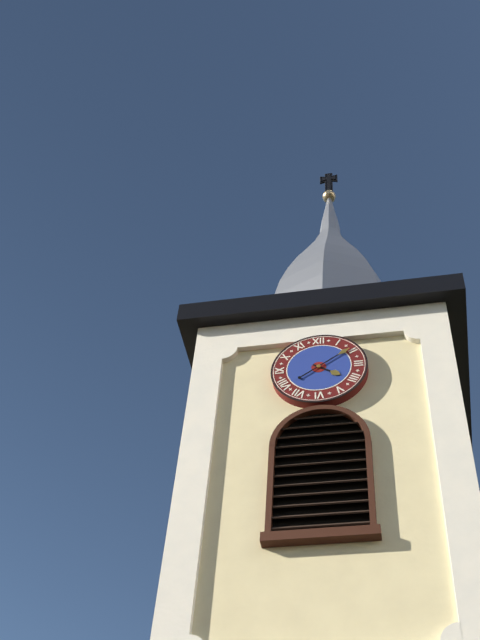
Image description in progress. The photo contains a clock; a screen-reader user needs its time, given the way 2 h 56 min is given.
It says 4 h 09 min
